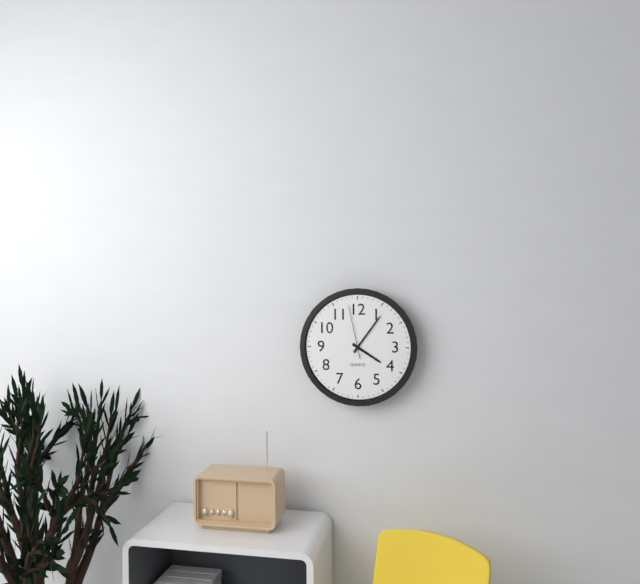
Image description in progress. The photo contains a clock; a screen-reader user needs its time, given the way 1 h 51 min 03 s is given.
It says 4 h 06 min 58 s
